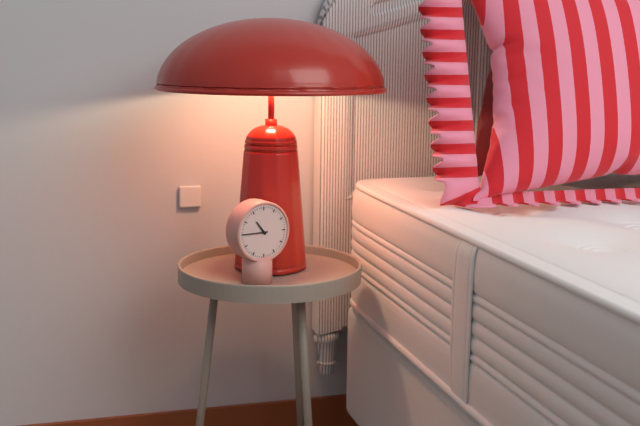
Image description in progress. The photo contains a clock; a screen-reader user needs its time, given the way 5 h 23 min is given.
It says 10 h 45 min
